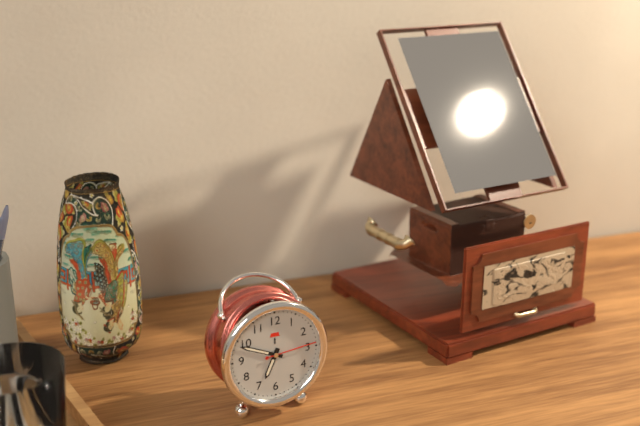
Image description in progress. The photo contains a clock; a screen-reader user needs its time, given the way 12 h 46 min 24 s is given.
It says 6 h 49 min 14 s
